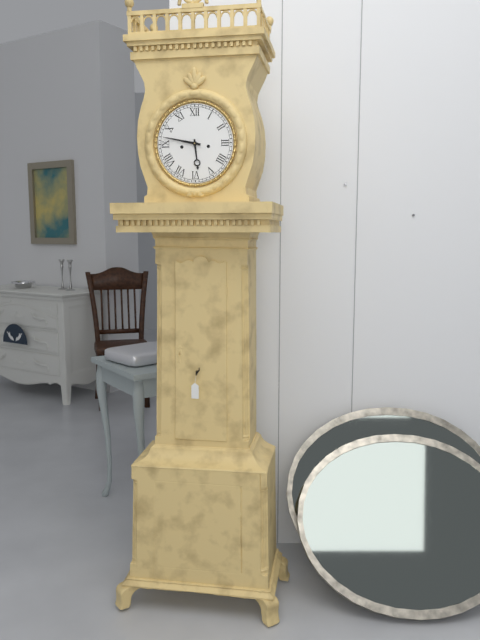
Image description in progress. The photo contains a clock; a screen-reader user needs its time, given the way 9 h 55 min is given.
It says 5 h 47 min
